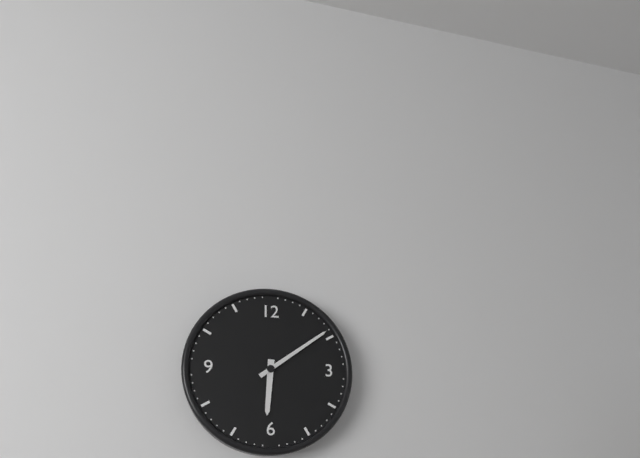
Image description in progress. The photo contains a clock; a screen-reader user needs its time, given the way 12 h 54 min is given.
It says 6 h 09 min
